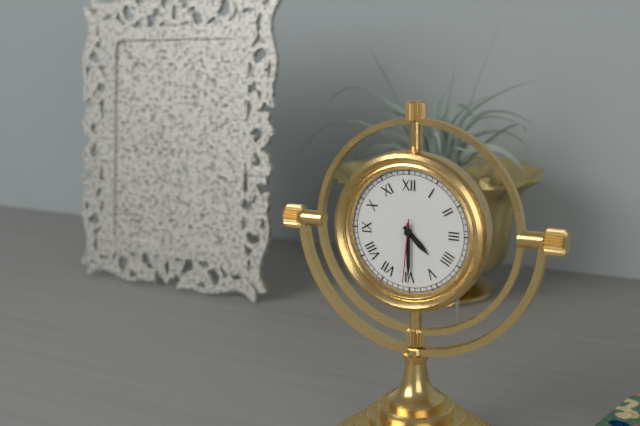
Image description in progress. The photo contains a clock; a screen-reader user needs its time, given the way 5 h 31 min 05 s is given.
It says 4 h 30 min 31 s
